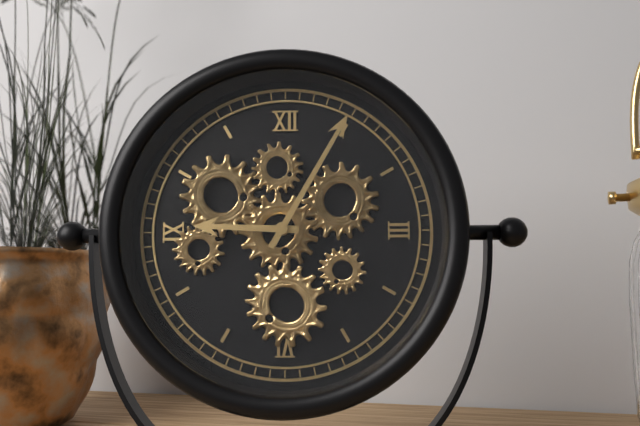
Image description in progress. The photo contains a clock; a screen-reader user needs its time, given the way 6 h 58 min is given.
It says 9 h 05 min
